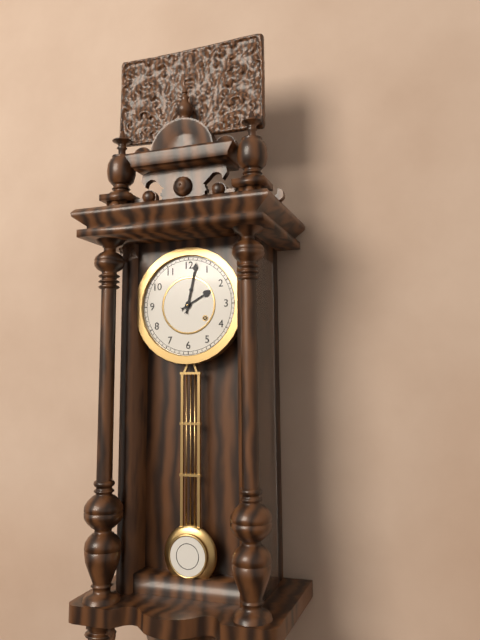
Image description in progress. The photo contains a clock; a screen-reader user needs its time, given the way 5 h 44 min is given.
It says 2 h 02 min
